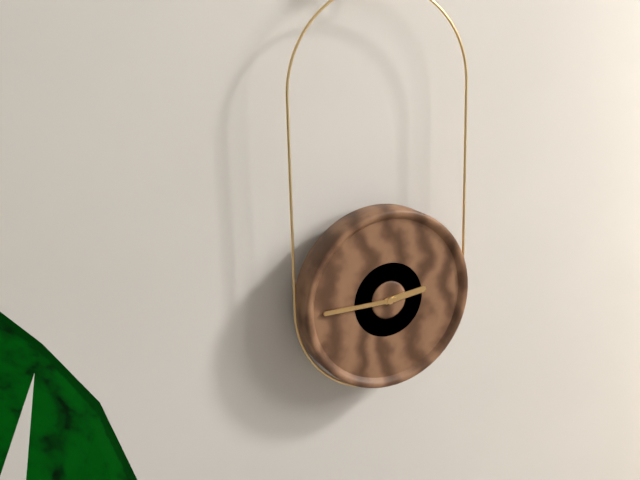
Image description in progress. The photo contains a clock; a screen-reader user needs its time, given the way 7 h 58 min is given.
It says 2 h 45 min
